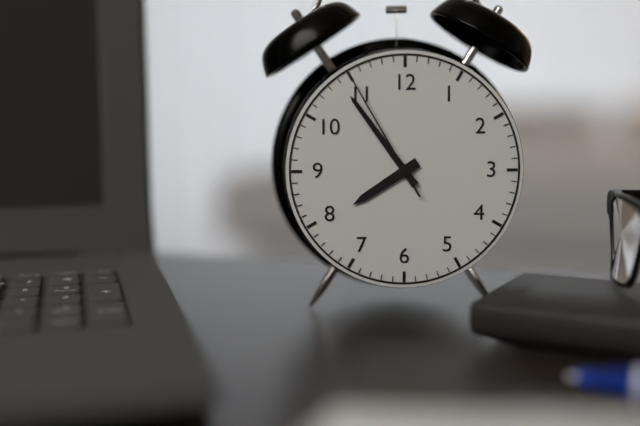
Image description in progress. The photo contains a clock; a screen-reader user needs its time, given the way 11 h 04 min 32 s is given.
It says 7 h 54 min 55 s
